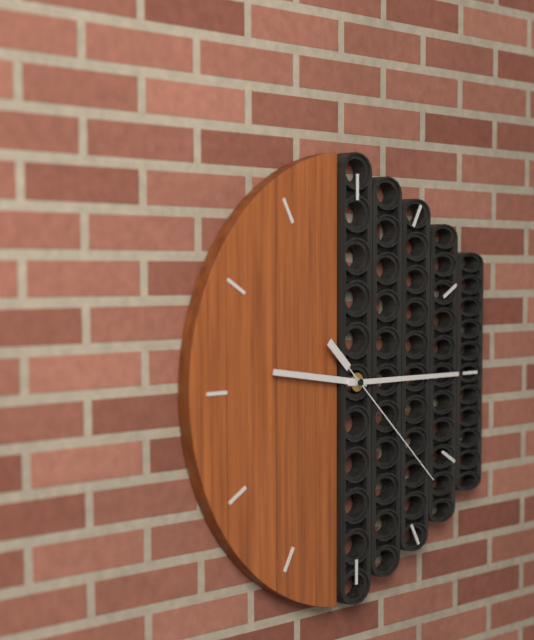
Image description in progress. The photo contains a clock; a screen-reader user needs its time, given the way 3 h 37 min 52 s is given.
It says 9 h 15 min 22 s
